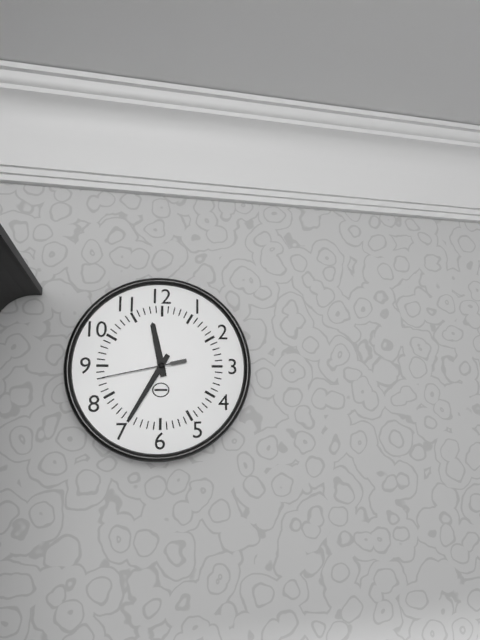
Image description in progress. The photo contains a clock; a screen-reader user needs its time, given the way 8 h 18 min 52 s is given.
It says 11 h 35 min 43 s
